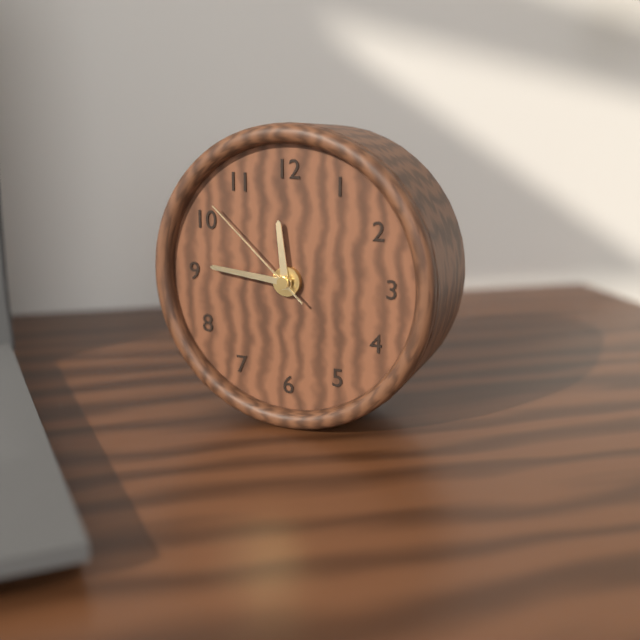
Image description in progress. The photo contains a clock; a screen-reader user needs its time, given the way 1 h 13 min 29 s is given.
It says 11 h 46 min 52 s
